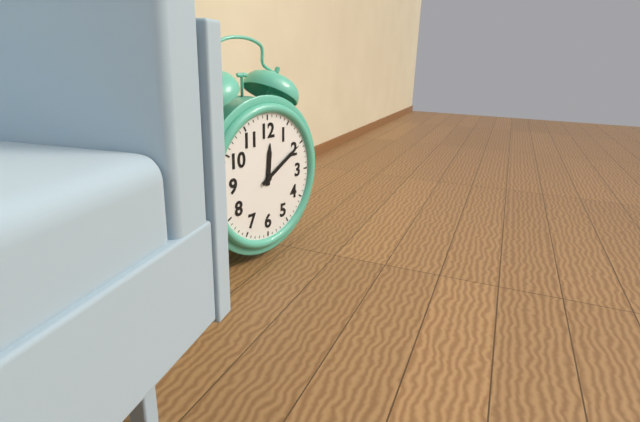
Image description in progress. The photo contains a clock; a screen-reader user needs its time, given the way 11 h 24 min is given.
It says 12 h 10 min
